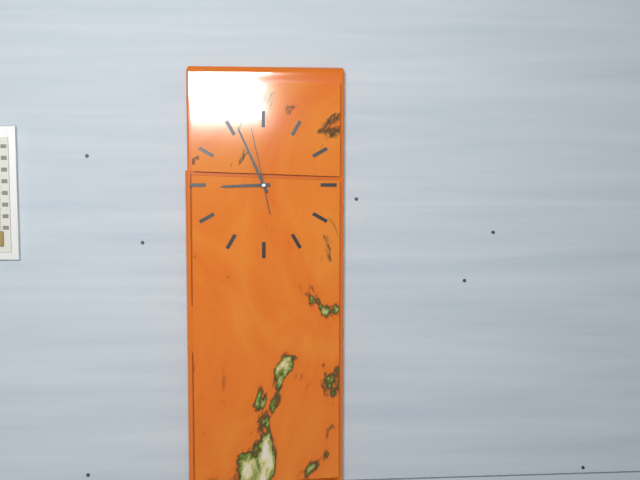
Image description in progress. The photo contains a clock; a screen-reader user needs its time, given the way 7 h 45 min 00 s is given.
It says 8 h 56 min 58 s
